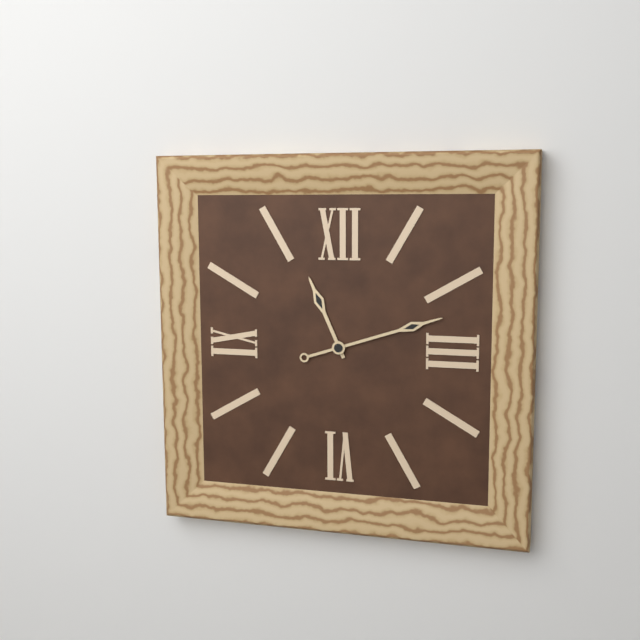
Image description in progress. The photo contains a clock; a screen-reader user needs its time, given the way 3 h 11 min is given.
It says 11 h 12 min
